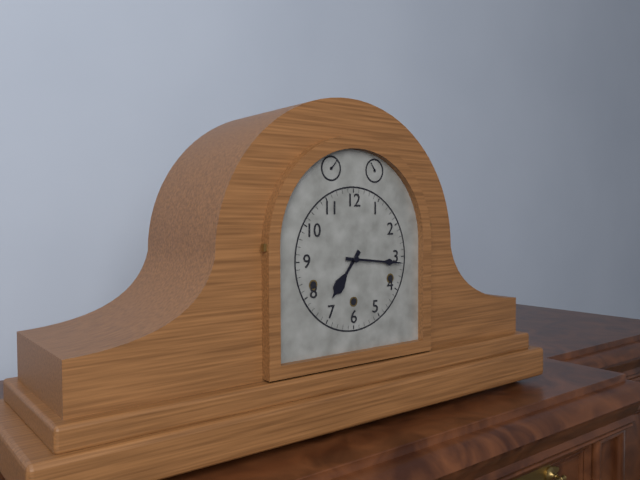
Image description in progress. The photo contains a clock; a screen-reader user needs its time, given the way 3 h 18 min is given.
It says 7 h 16 min
